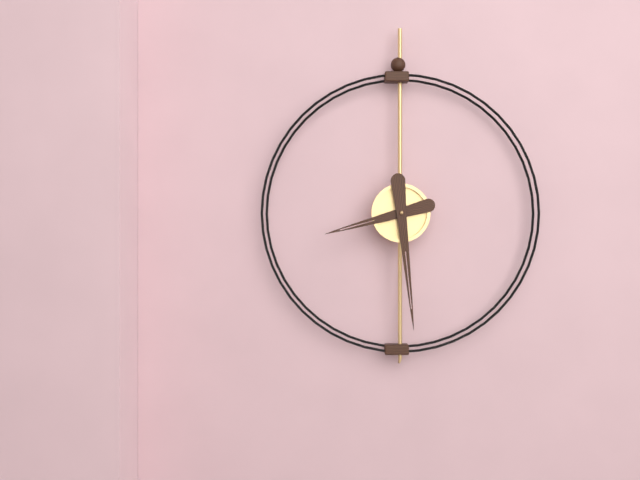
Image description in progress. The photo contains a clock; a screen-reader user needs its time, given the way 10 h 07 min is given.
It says 8 h 29 min
